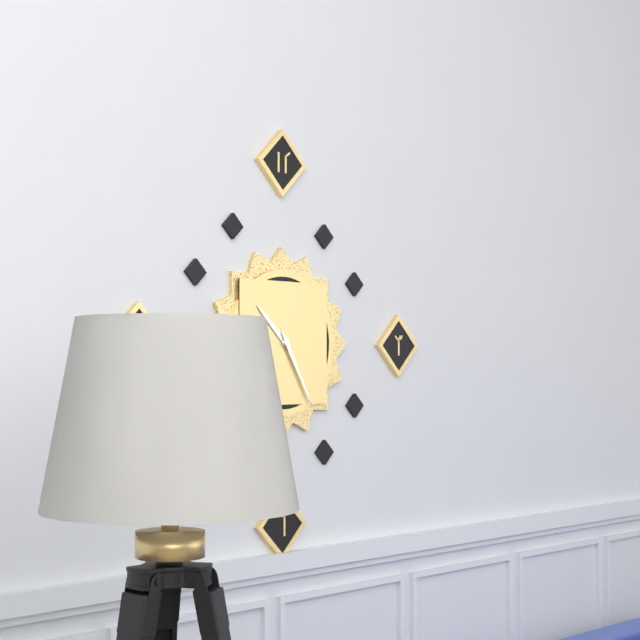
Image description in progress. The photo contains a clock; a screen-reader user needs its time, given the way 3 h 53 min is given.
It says 10 h 25 min
